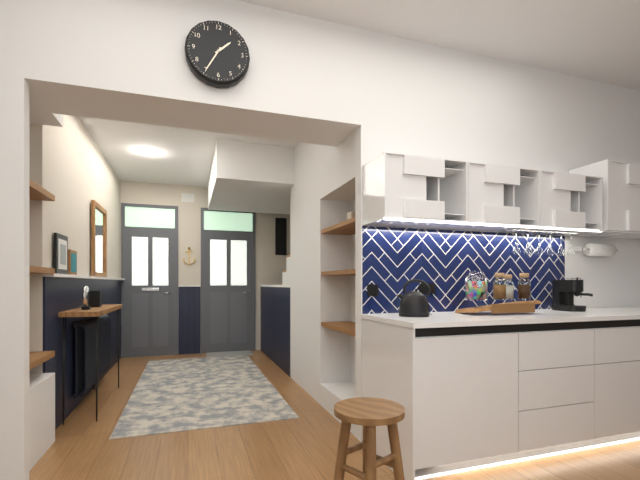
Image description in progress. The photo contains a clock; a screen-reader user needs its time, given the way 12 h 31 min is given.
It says 1 h 35 min
